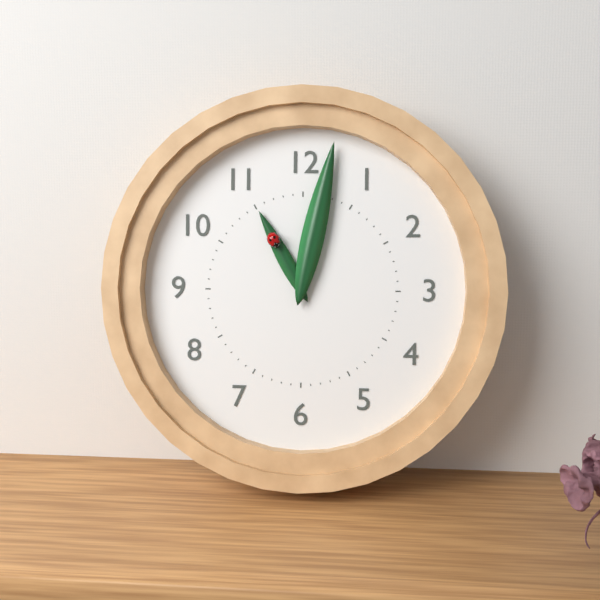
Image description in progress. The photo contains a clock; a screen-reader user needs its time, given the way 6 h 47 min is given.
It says 11 h 02 min
